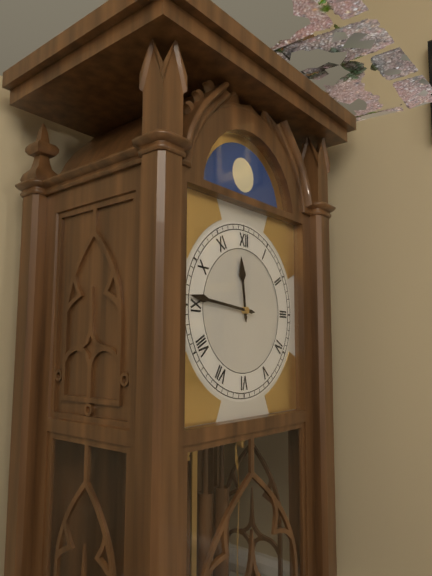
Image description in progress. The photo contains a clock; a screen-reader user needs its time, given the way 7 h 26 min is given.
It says 11 h 46 min
